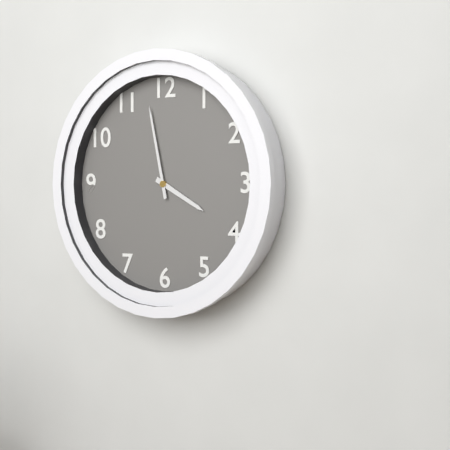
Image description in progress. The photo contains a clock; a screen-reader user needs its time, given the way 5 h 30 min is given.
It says 3 h 58 min
